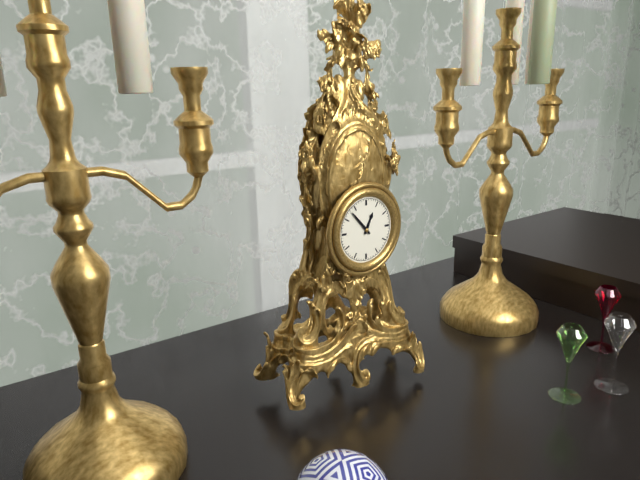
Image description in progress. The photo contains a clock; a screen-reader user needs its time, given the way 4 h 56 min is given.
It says 12 h 53 min
